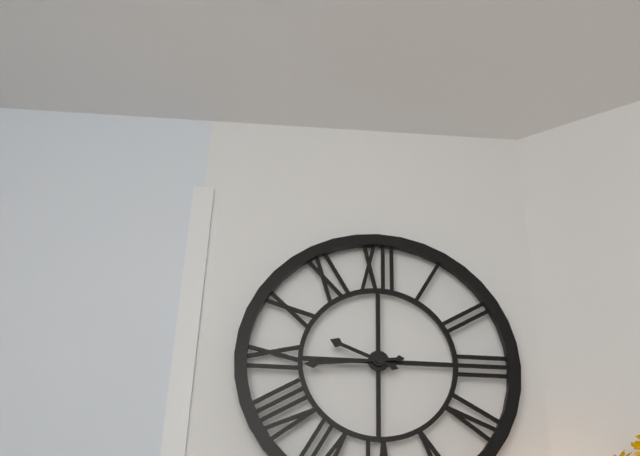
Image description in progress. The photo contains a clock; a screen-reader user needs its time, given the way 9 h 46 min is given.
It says 9 h 44 min
